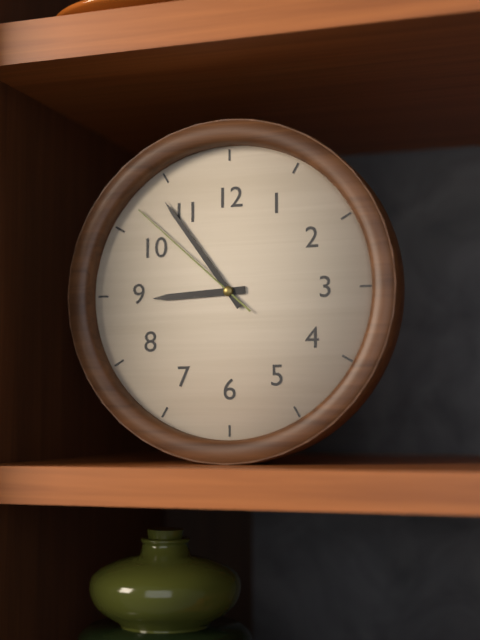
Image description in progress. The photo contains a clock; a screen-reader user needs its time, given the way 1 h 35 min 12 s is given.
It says 8 h 54 min 52 s
